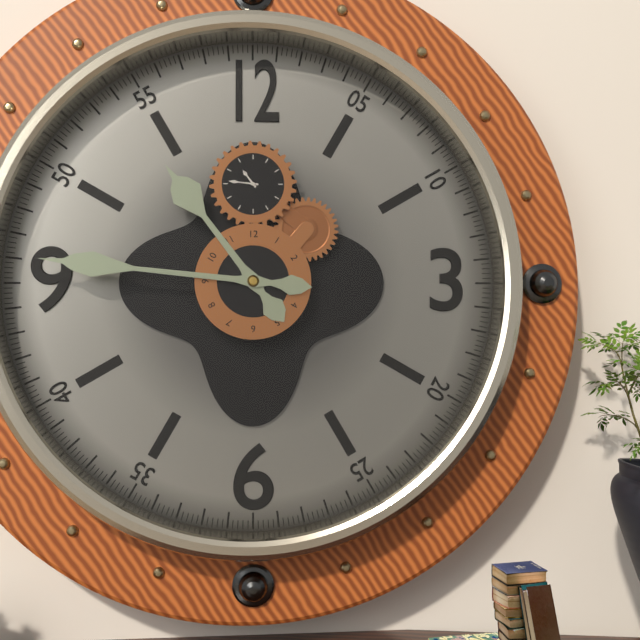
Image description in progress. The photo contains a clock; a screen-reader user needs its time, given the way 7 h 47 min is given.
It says 10 h 46 min
